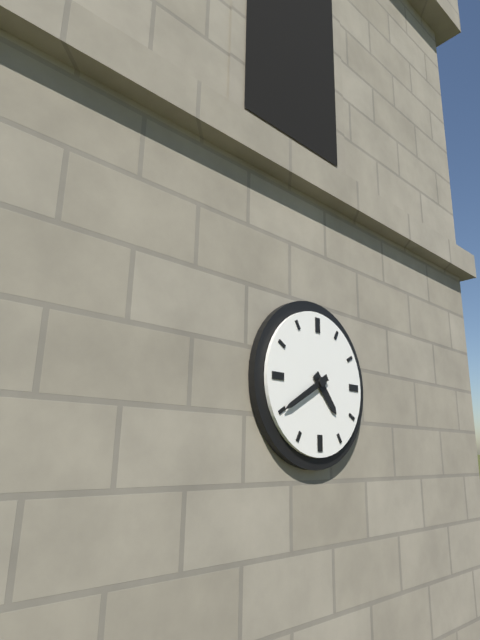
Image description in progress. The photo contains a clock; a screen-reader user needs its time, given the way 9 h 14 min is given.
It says 4 h 40 min
